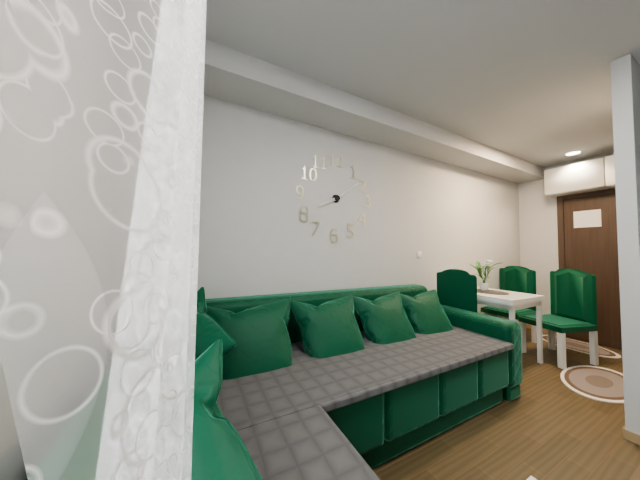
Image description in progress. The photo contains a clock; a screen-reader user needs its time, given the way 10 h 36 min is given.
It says 8 h 09 min
